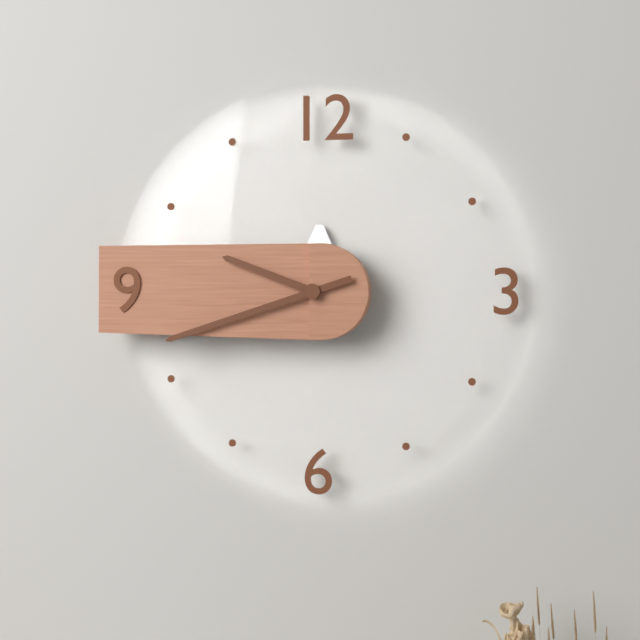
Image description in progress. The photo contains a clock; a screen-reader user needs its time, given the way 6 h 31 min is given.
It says 9 h 42 min
